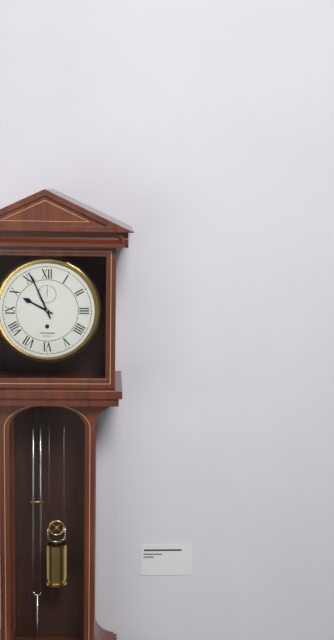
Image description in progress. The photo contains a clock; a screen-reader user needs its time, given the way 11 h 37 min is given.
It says 9 h 56 min
